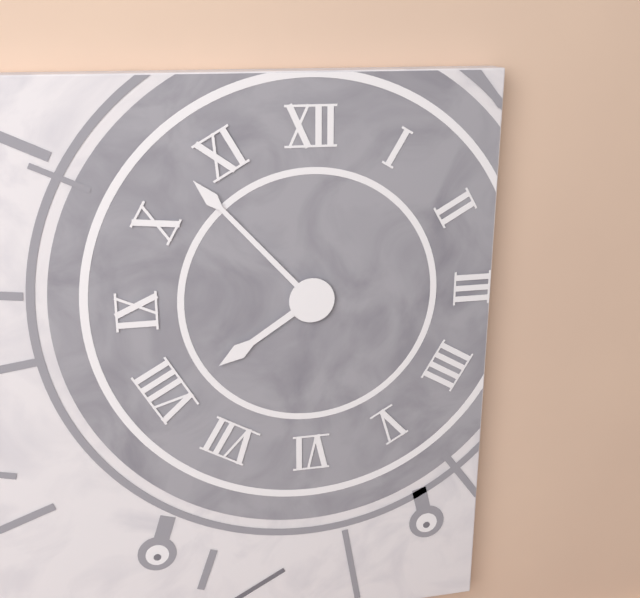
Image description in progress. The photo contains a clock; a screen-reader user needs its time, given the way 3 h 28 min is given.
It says 7 h 53 min
